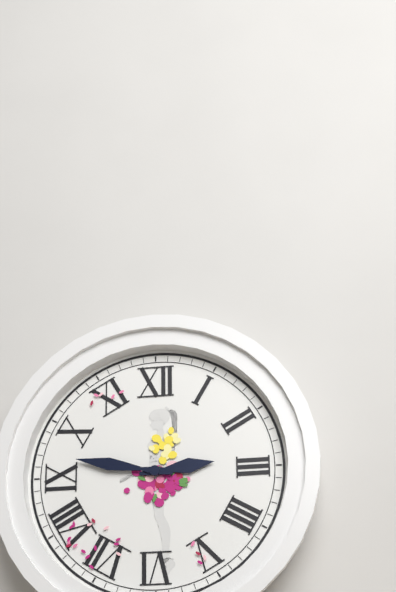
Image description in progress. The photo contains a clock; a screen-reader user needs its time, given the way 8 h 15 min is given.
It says 2 h 47 min
